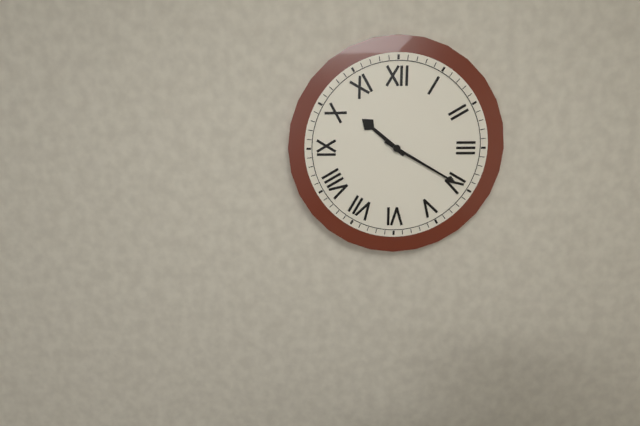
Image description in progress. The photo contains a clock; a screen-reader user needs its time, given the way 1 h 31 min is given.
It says 10 h 20 min
